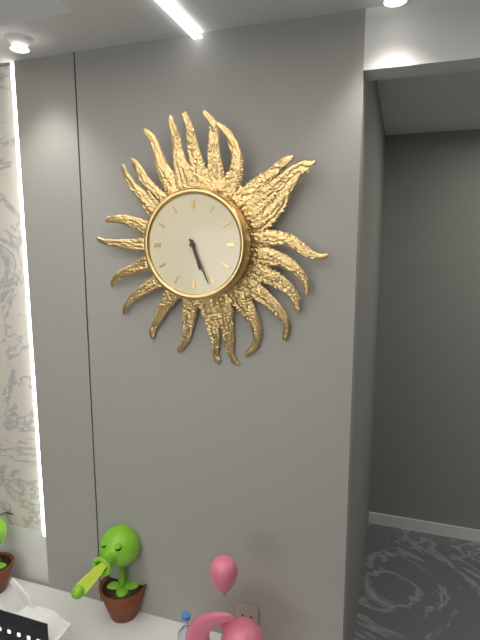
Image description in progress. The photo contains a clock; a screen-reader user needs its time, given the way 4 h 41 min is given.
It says 5 h 26 min
